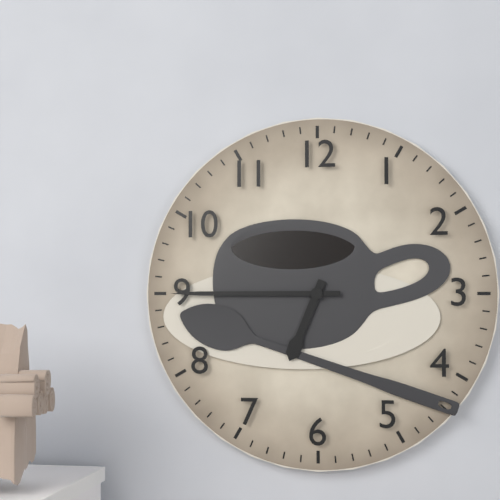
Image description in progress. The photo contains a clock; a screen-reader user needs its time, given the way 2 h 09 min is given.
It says 6 h 45 min
